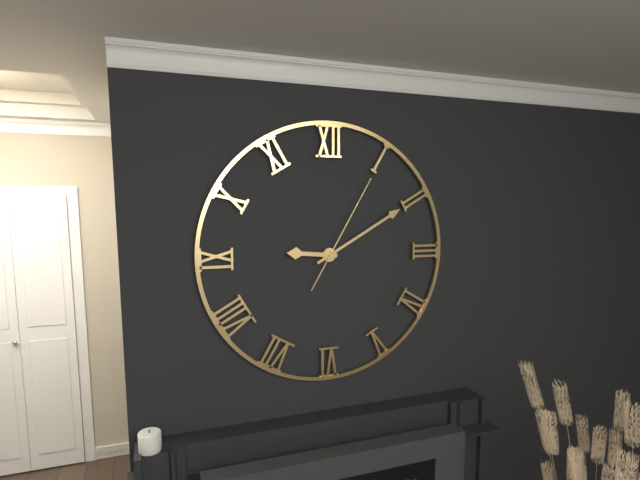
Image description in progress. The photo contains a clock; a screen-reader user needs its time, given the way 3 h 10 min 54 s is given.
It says 9 h 10 min 05 s
